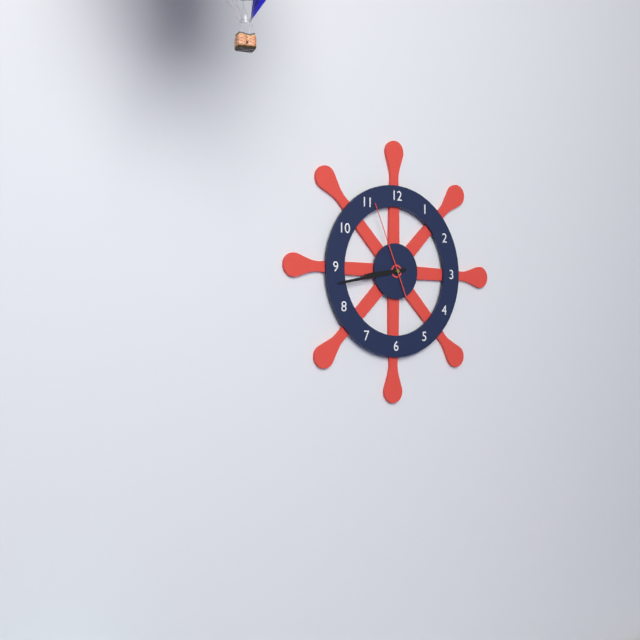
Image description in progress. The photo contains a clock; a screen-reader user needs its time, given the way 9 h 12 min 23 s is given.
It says 8 h 43 min 56 s
